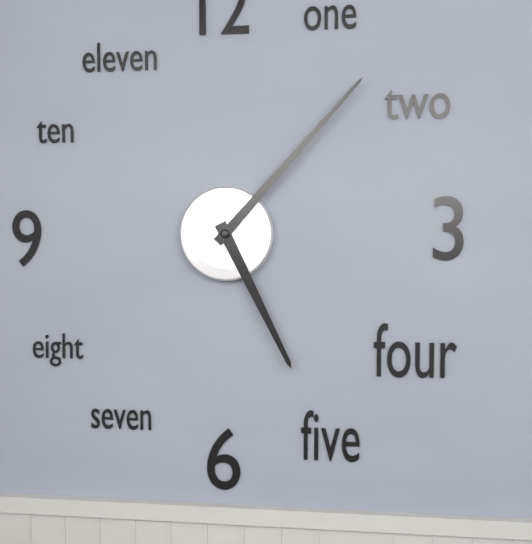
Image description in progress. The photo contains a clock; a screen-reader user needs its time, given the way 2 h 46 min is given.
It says 5 h 07 min
